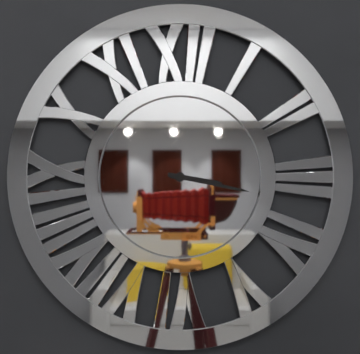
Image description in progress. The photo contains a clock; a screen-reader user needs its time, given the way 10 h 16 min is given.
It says 3 h 17 min
